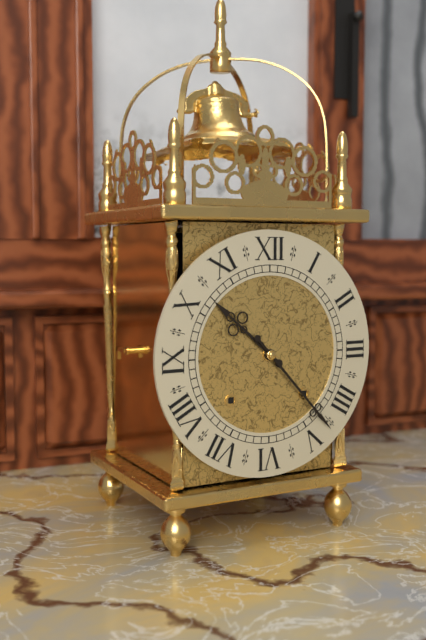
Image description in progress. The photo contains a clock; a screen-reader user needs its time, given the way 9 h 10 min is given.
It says 10 h 23 min
